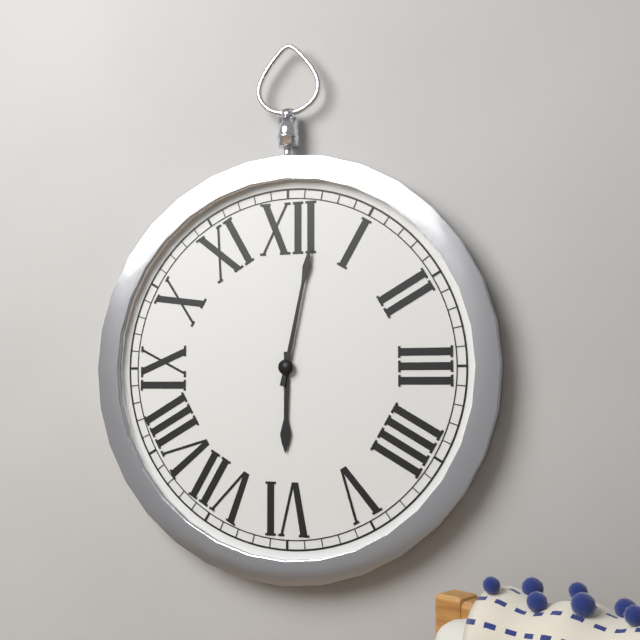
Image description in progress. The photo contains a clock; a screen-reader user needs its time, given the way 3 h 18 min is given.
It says 6 h 02 min
